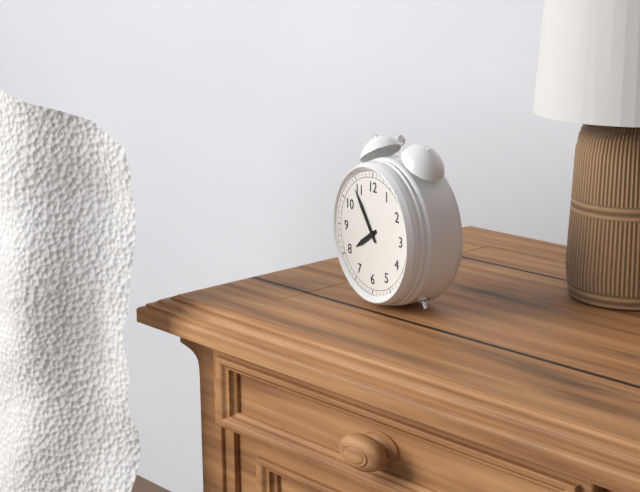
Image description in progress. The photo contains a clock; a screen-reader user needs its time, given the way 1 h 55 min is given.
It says 7 h 54 min
